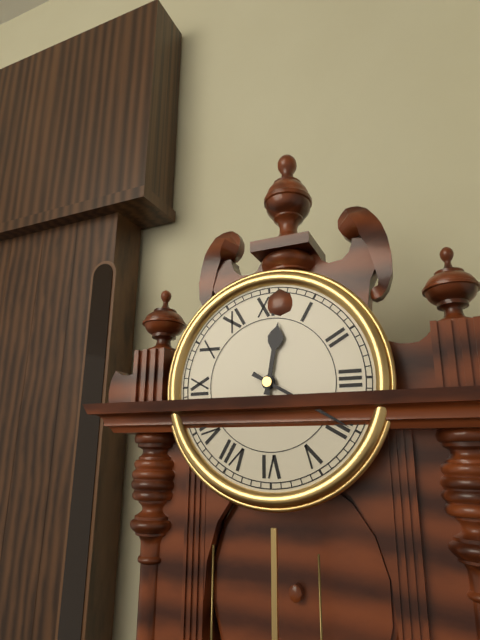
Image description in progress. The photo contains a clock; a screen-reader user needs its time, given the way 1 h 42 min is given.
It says 12 h 20 min
